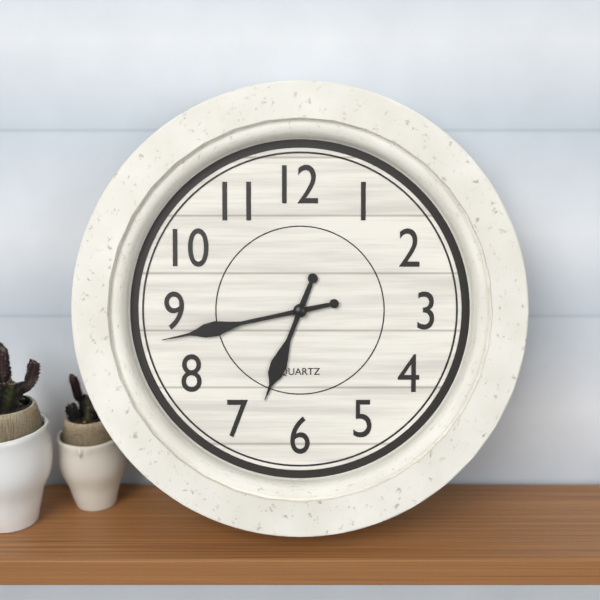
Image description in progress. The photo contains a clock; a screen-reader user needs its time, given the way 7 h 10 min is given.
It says 6 h 43 min
